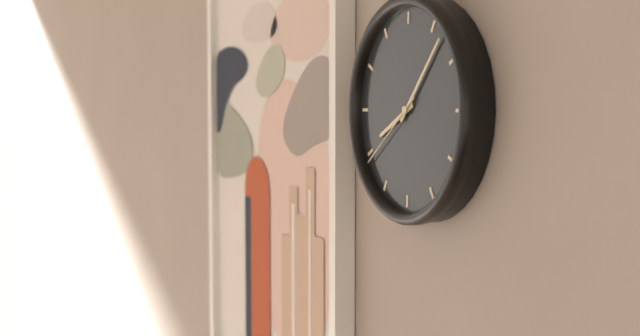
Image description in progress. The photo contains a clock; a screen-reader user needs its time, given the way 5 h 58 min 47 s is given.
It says 8 h 07 min 39 s
